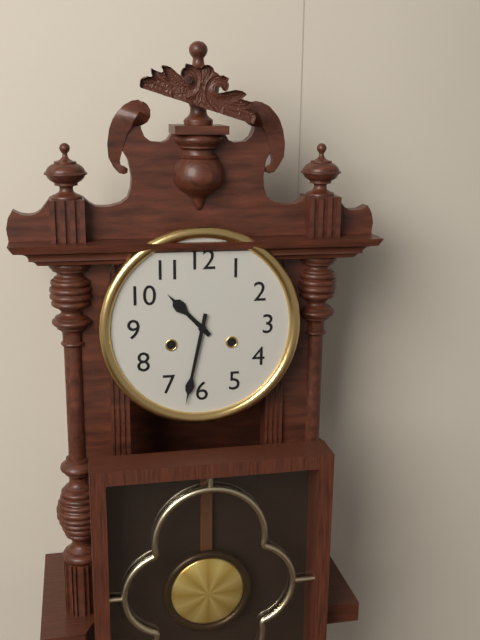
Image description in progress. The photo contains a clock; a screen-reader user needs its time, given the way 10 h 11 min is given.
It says 10 h 32 min
